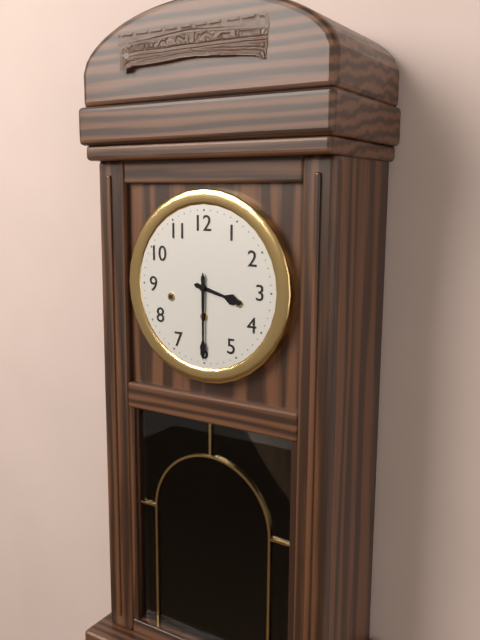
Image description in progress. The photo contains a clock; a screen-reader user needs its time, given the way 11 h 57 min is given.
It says 3 h 30 min
